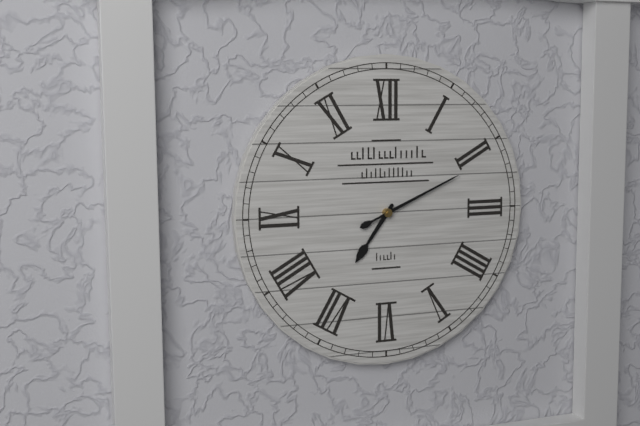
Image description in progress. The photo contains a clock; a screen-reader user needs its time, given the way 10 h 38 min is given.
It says 7 h 11 min
